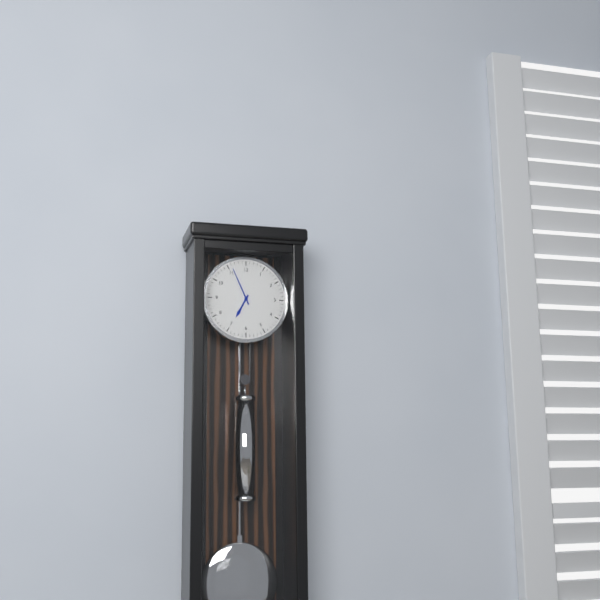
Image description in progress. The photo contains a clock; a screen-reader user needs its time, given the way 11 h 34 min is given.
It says 6 h 56 min
